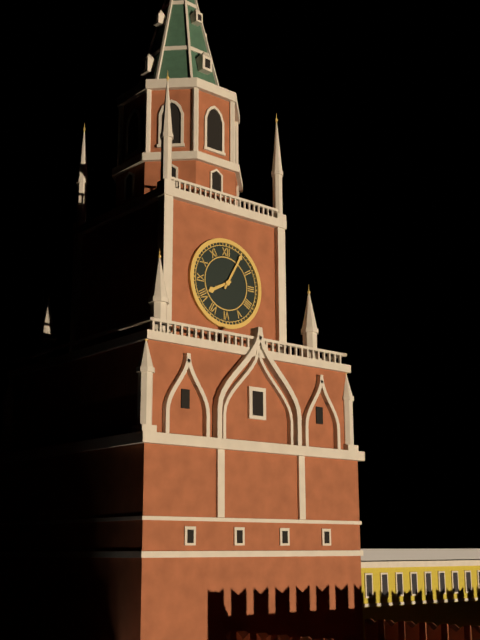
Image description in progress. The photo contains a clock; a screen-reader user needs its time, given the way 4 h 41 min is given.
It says 8 h 05 min
